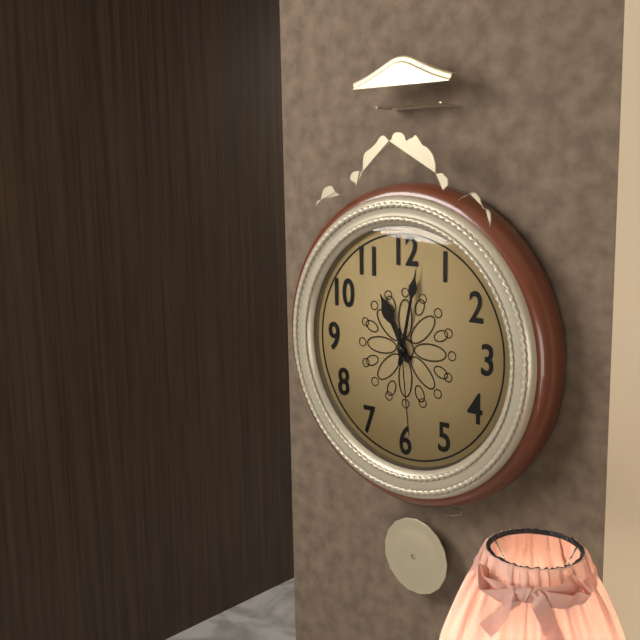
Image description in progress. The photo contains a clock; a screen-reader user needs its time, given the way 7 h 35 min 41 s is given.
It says 11 h 02 min 29 s
